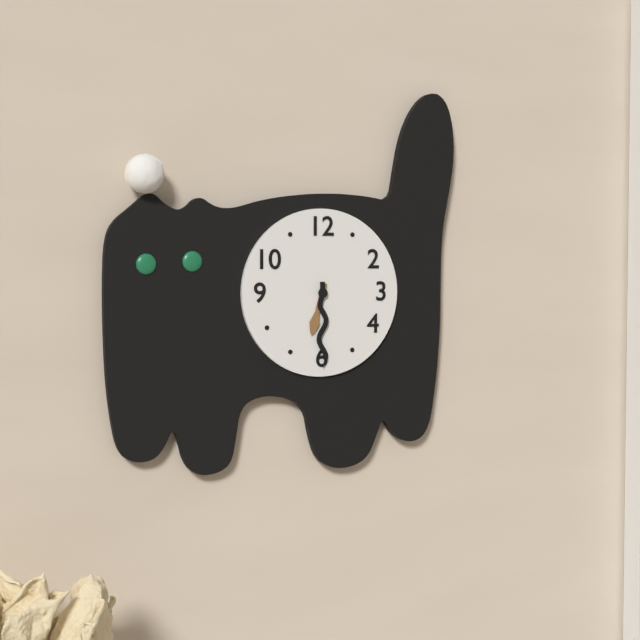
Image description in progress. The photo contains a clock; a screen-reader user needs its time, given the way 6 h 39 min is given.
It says 6 h 30 min
